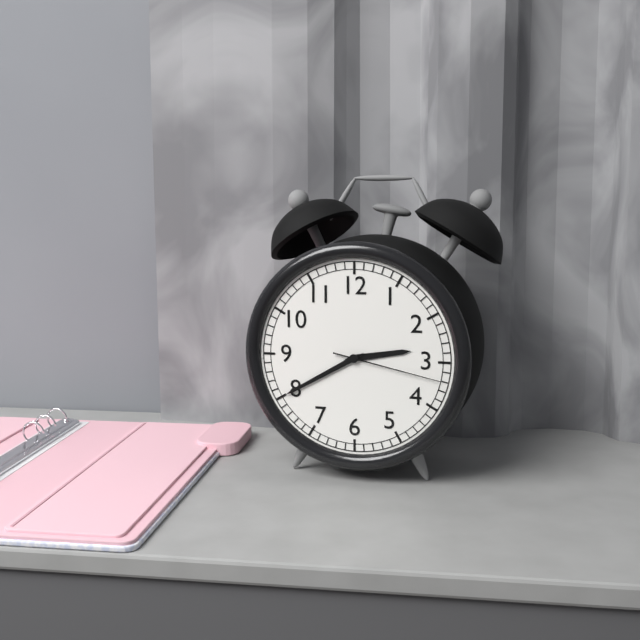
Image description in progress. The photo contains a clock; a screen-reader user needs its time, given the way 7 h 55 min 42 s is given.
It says 2 h 40 min 17 s
